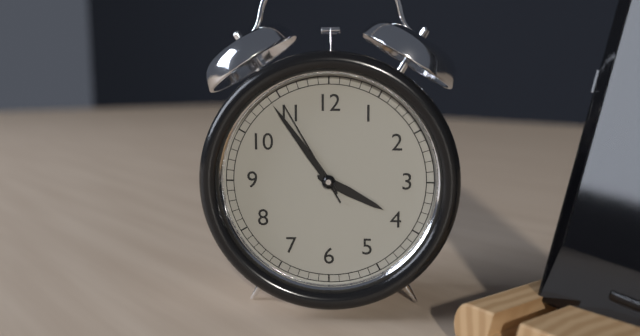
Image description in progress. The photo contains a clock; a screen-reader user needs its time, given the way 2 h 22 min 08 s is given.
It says 3 h 54 min 55 s
